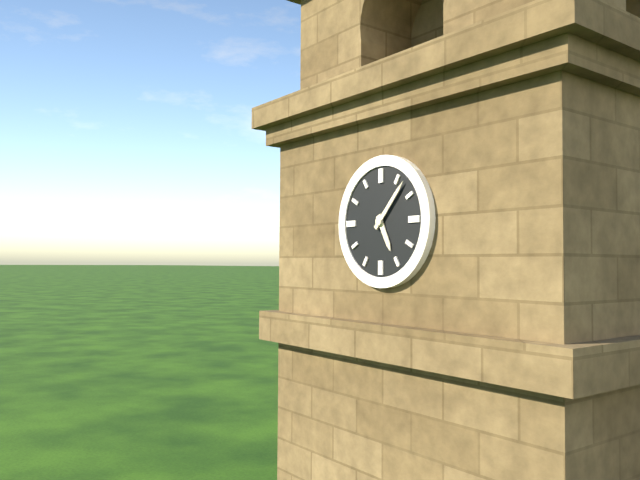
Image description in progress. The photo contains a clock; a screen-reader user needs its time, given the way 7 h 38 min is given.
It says 5 h 07 min
